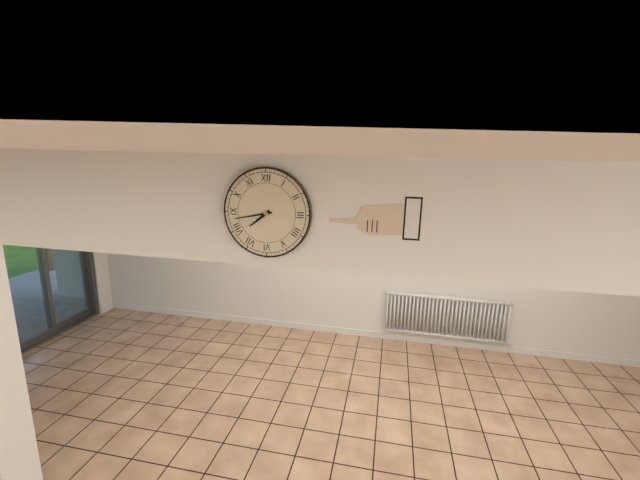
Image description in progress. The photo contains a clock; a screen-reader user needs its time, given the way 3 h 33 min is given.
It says 7 h 43 min
